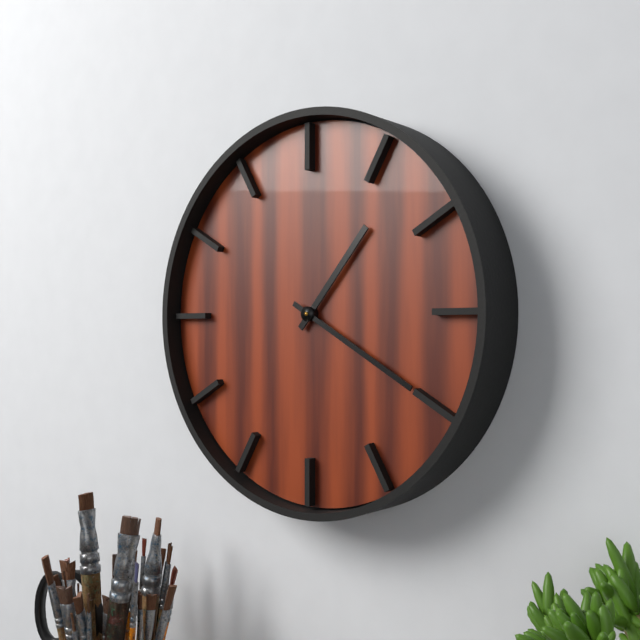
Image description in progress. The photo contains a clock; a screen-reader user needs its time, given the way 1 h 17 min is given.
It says 1 h 20 min
